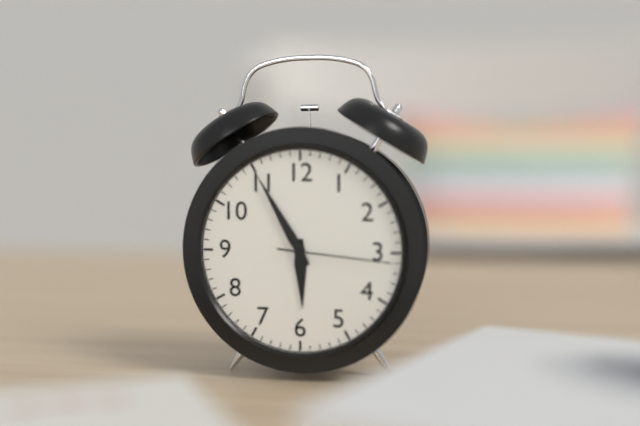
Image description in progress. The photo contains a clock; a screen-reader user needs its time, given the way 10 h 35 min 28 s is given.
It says 5 h 55 min 16 s
